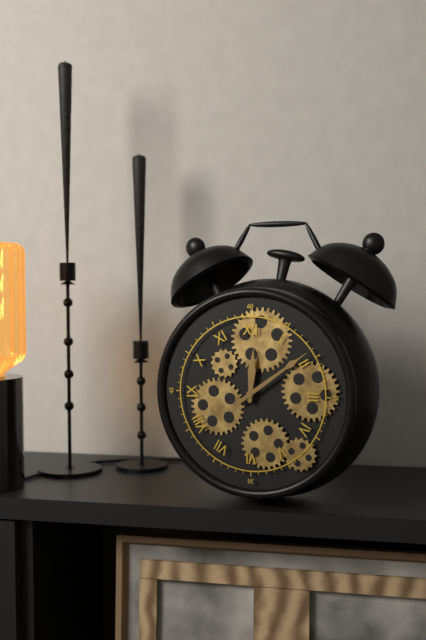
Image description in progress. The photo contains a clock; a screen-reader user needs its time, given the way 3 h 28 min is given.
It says 12 h 09 min
